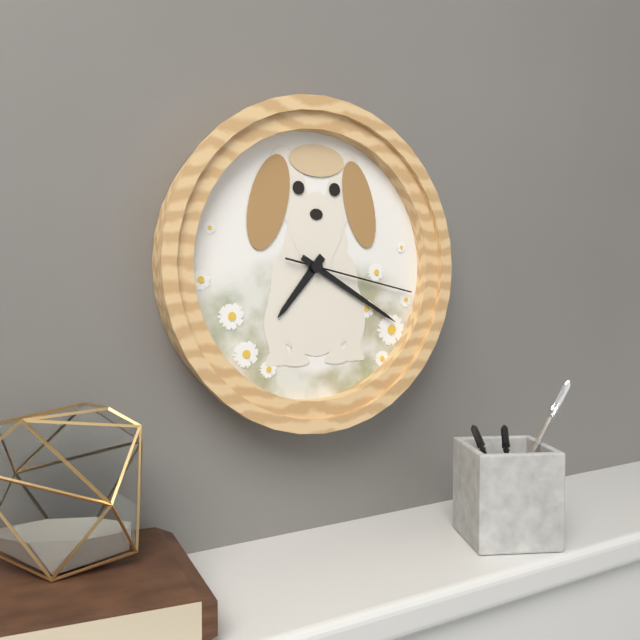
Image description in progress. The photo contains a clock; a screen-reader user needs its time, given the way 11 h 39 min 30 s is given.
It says 7 h 20 min 17 s
